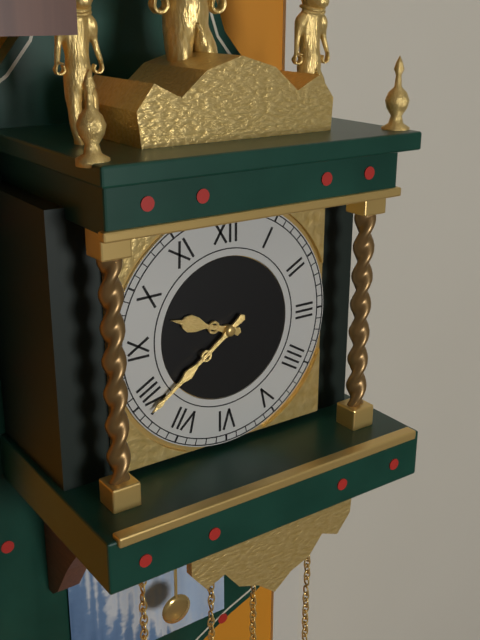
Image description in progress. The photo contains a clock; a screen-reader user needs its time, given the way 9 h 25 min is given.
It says 9 h 39 min
